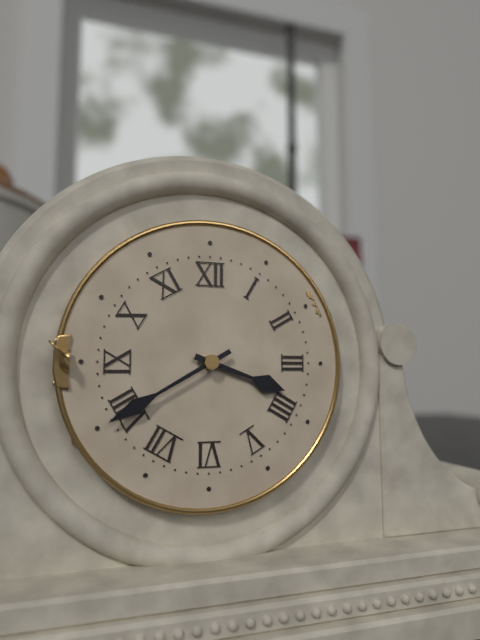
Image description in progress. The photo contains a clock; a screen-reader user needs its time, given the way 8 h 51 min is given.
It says 3 h 40 min
